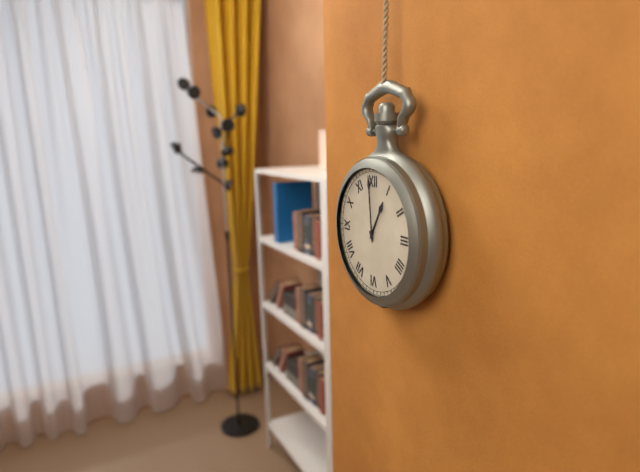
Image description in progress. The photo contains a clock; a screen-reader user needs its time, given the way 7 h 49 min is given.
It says 12 h 59 min
